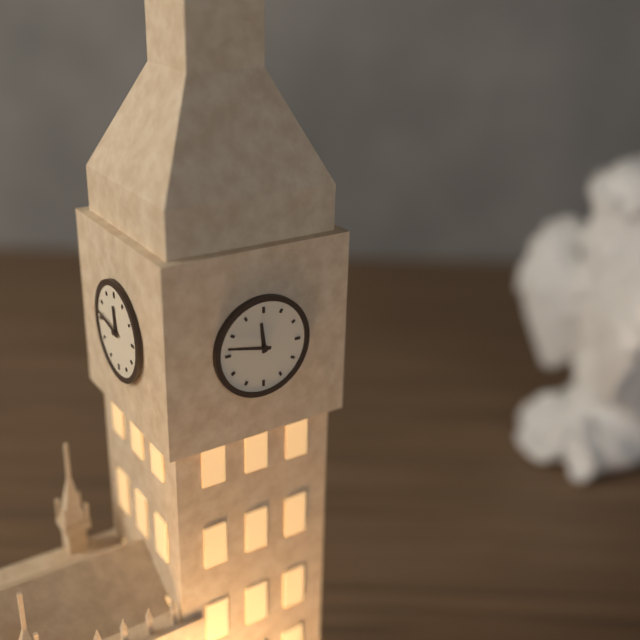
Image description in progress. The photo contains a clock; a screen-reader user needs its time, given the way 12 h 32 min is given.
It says 11 h 47 min
